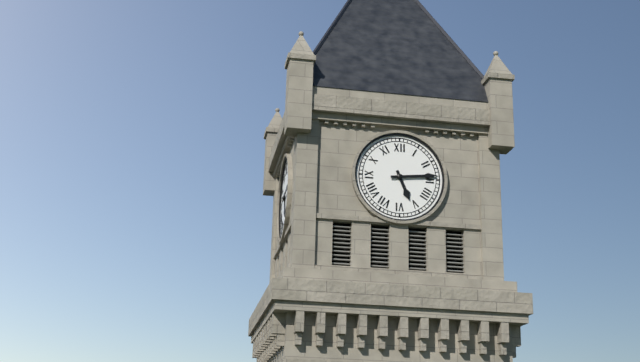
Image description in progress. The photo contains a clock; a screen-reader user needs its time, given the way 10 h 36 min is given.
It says 5 h 14 min
